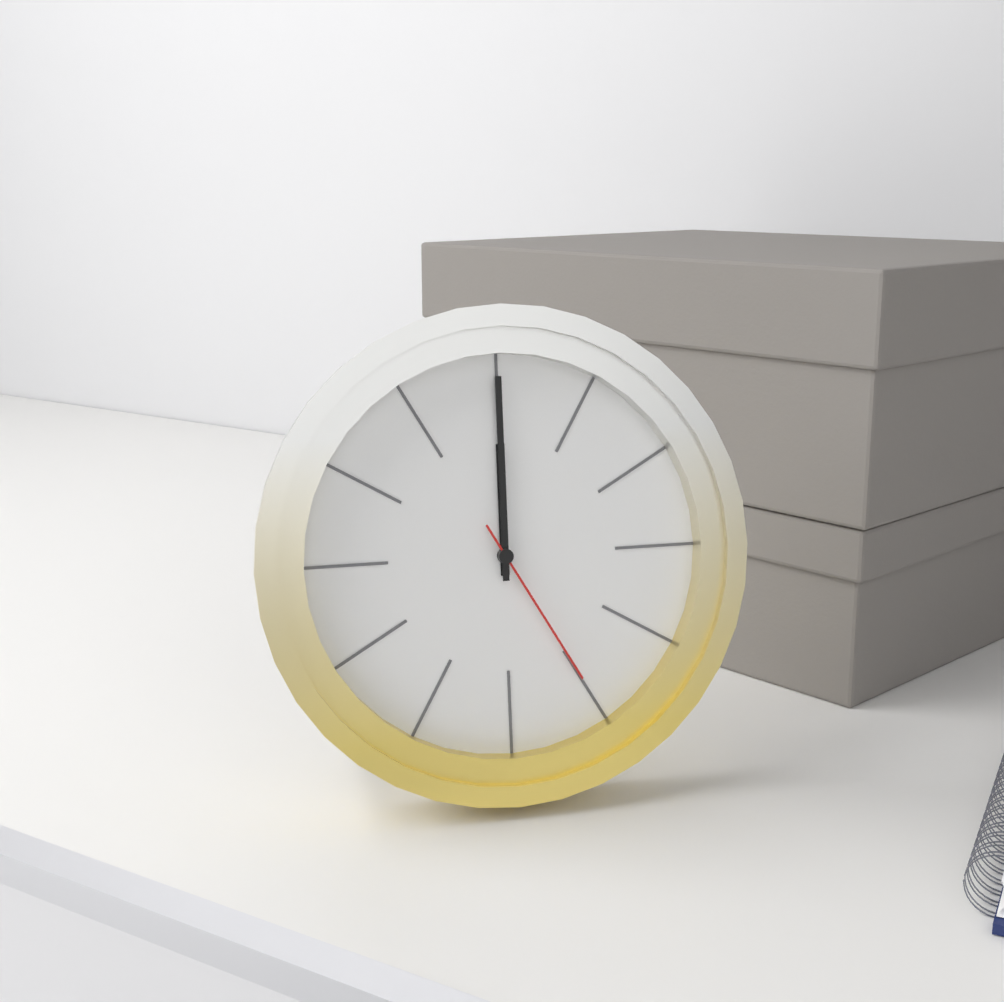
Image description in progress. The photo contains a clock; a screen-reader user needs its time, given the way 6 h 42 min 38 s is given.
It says 12 h 00 min 25 s
